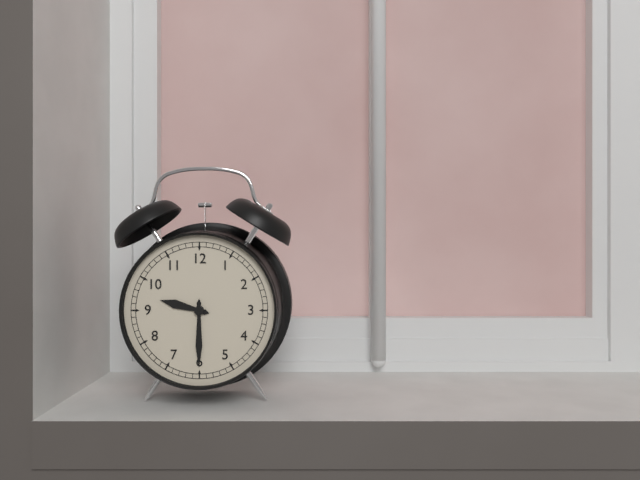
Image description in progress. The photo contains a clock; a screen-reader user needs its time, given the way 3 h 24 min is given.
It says 9 h 30 min
